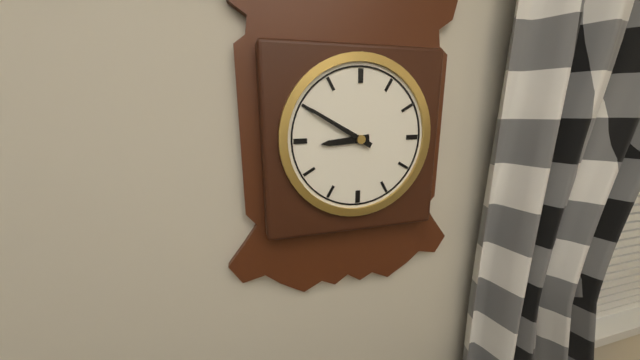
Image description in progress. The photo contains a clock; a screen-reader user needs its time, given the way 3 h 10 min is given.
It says 8 h 50 min
